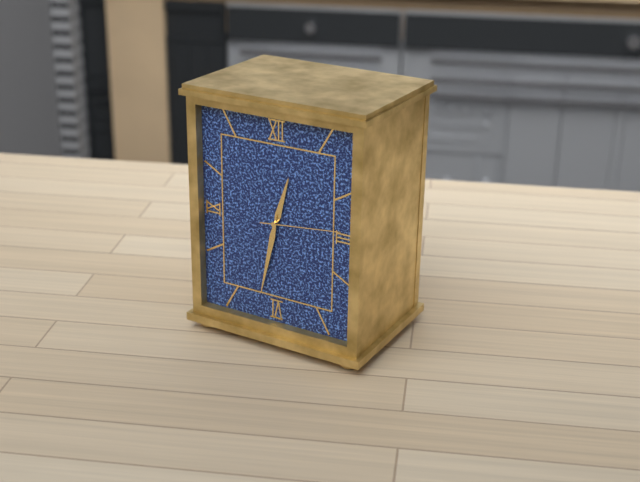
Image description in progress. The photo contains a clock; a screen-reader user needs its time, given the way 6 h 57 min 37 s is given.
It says 12 h 32 min 14 s
